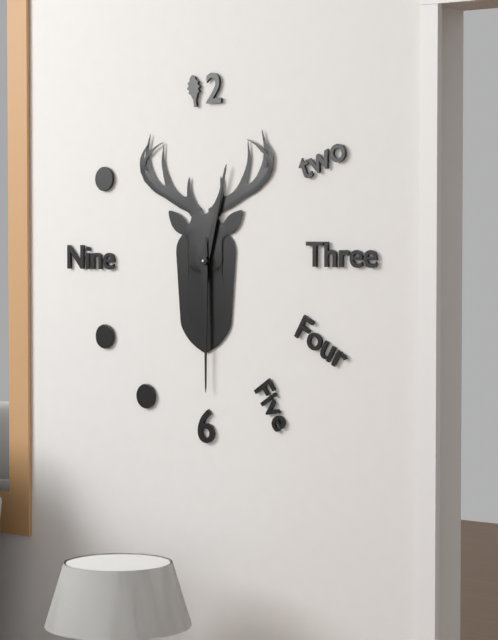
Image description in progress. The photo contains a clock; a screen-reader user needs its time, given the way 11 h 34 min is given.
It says 12 h 30 min
